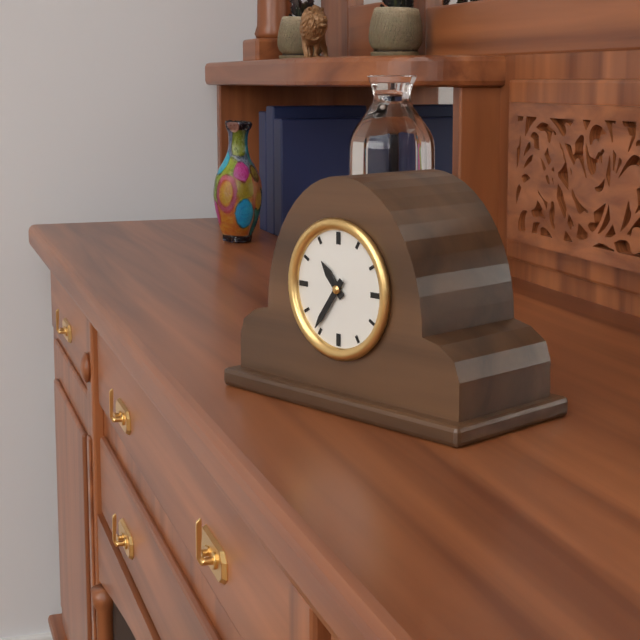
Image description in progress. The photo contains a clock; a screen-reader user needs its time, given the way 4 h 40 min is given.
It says 10 h 36 min
